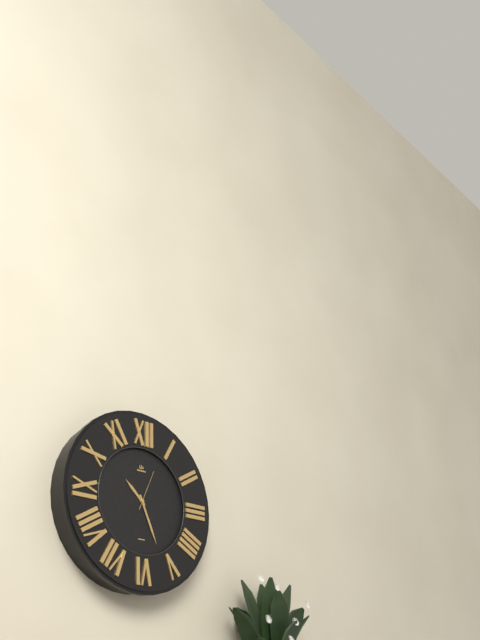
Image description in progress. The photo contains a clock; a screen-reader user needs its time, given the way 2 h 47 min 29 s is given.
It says 10 h 26 min 04 s
